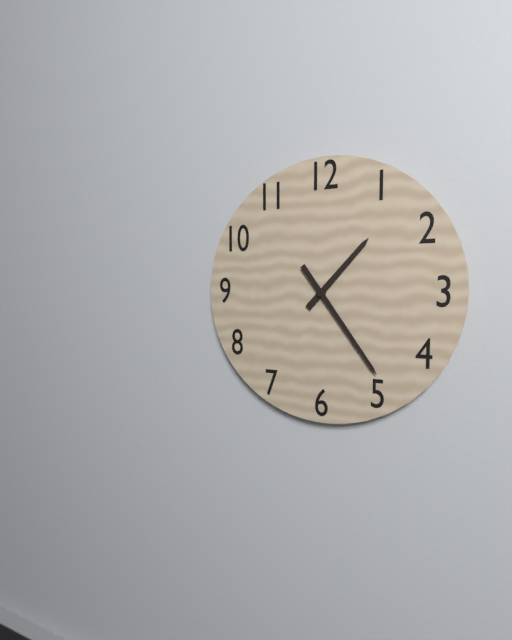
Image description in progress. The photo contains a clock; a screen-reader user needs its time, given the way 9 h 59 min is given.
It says 1 h 24 min
